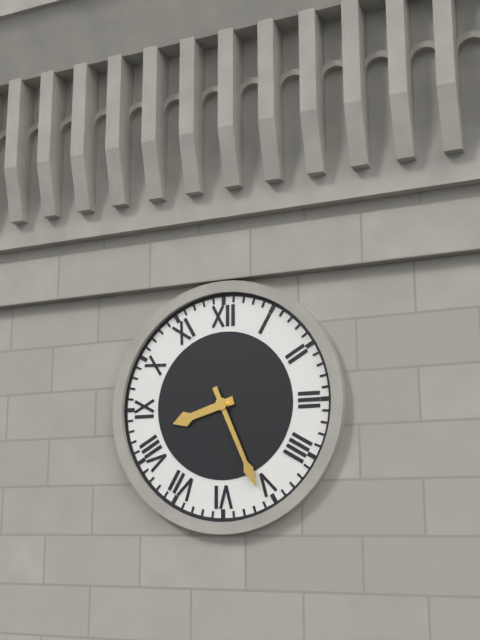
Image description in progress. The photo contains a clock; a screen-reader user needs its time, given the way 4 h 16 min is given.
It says 8 h 26 min
